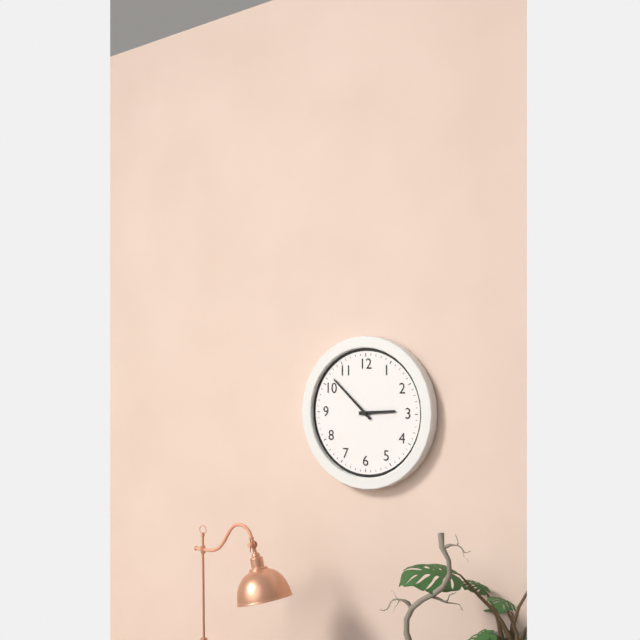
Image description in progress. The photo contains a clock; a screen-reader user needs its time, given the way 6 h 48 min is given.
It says 2 h 52 min
